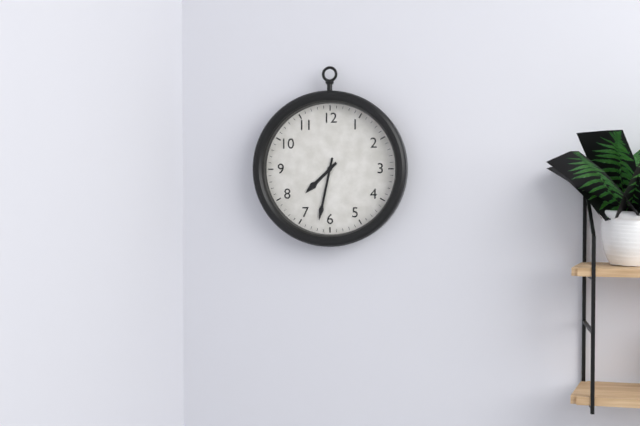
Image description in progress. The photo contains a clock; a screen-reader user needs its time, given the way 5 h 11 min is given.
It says 7 h 32 min
